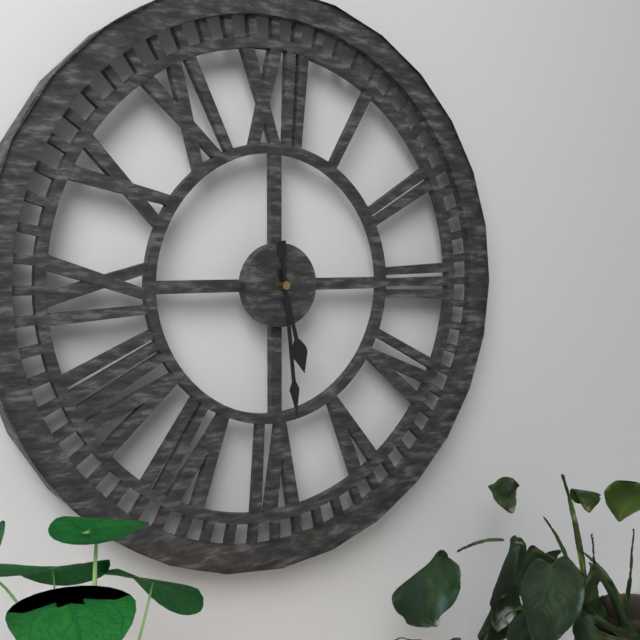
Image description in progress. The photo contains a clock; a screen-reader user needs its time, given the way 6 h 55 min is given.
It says 5 h 29 min
